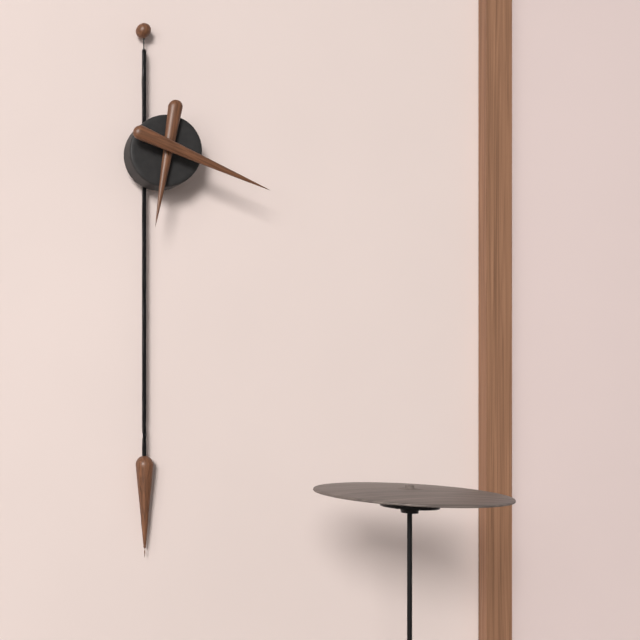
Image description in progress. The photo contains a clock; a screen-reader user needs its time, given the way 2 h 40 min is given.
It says 6 h 19 min
